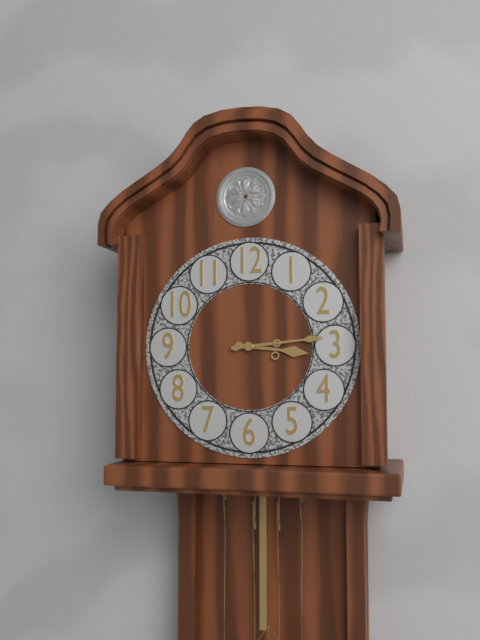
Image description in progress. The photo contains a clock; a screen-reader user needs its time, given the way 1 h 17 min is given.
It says 3 h 14 min
